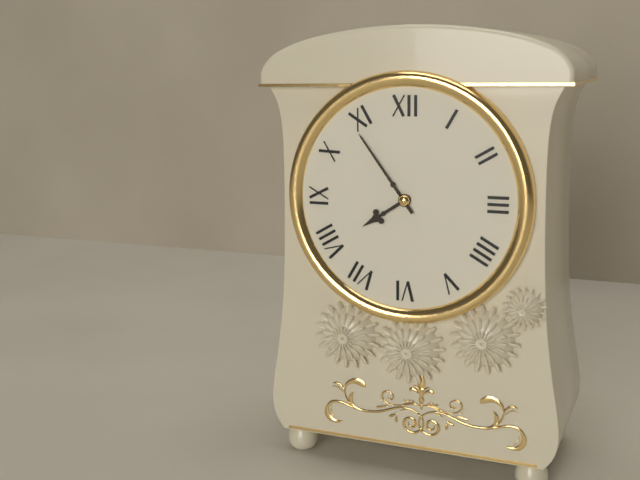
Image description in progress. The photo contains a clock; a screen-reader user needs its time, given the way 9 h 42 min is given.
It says 7 h 54 min
